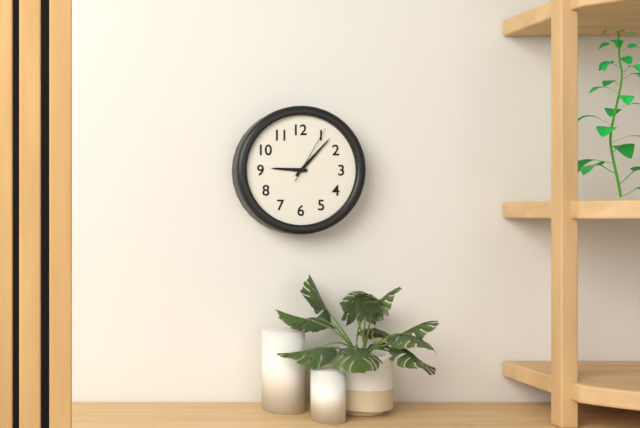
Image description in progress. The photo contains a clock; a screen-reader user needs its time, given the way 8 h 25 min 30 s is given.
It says 9 h 07 min 05 s
